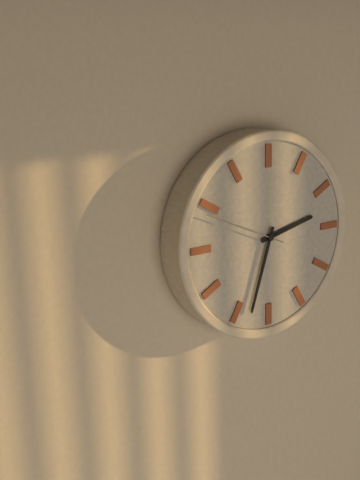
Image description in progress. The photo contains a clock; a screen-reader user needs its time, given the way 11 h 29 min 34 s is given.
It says 2 h 33 min 49 s
